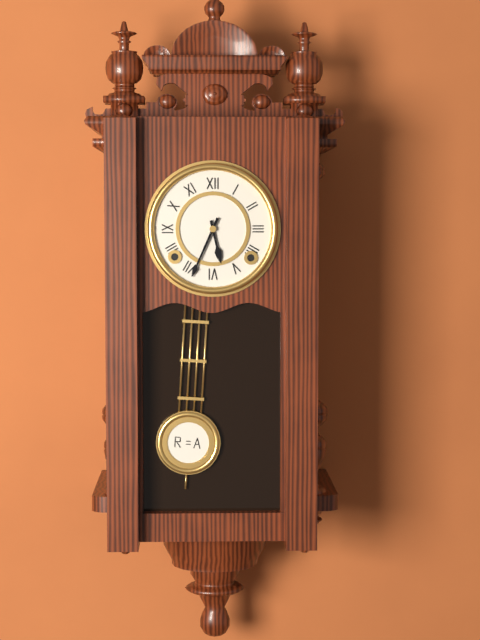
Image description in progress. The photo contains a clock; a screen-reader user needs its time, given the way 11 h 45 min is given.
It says 5 h 34 min
